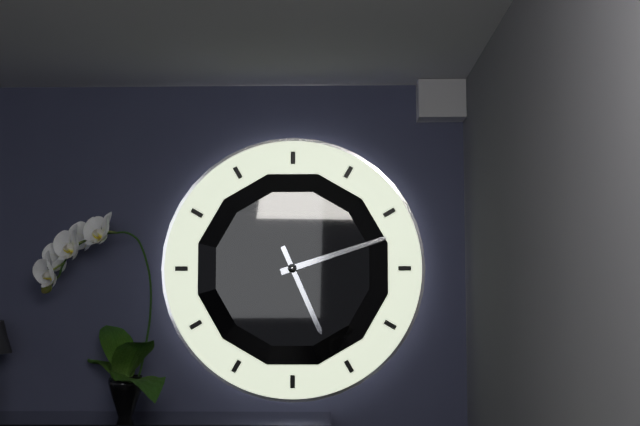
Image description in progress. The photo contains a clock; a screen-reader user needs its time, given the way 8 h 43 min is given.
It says 5 h 12 min
